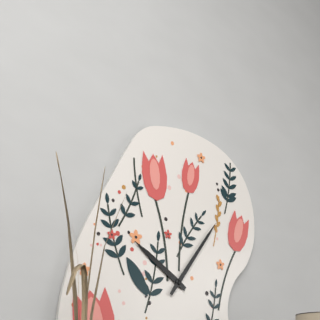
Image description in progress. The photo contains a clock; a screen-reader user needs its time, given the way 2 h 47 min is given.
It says 10 h 06 min
